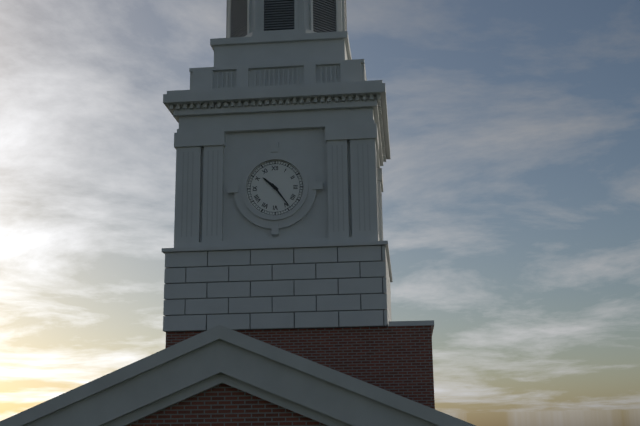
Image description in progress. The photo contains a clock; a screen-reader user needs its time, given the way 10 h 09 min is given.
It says 10 h 24 min
